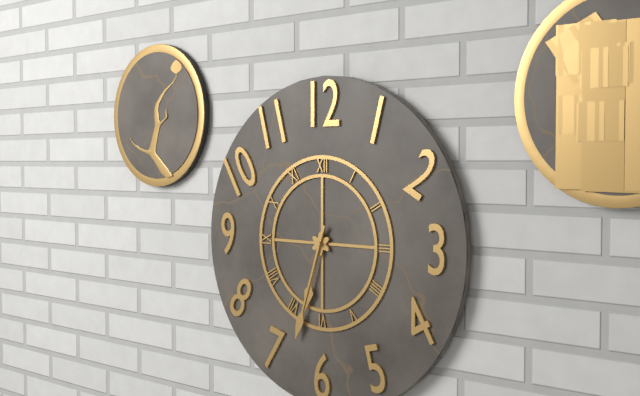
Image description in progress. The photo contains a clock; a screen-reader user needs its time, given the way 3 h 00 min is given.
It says 6 h 33 min
